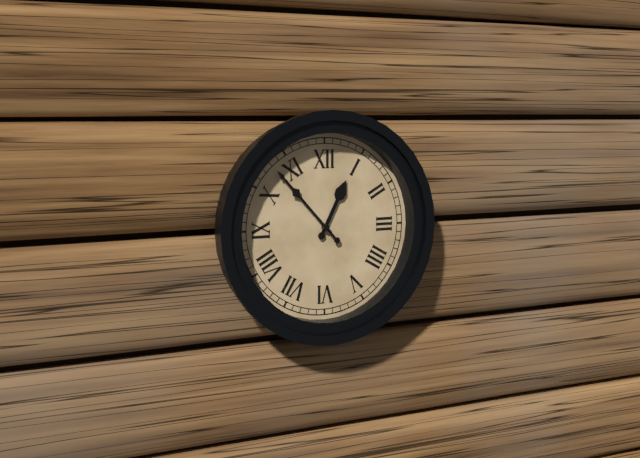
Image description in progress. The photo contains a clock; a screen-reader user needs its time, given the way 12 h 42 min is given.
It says 12 h 53 min
